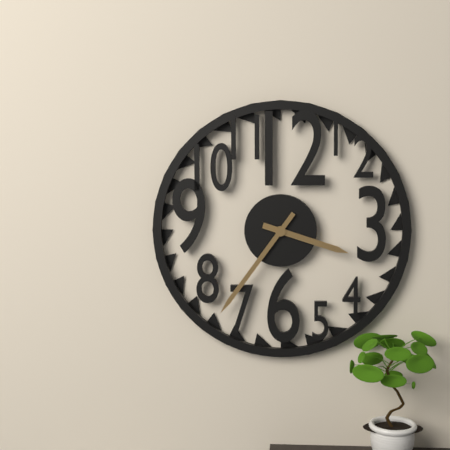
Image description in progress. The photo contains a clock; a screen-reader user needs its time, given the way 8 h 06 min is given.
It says 3 h 36 min
